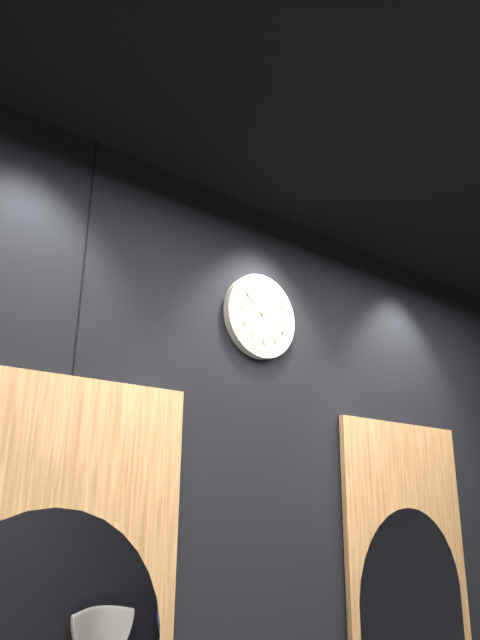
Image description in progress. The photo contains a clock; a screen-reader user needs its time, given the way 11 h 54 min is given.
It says 11 h 52 min
